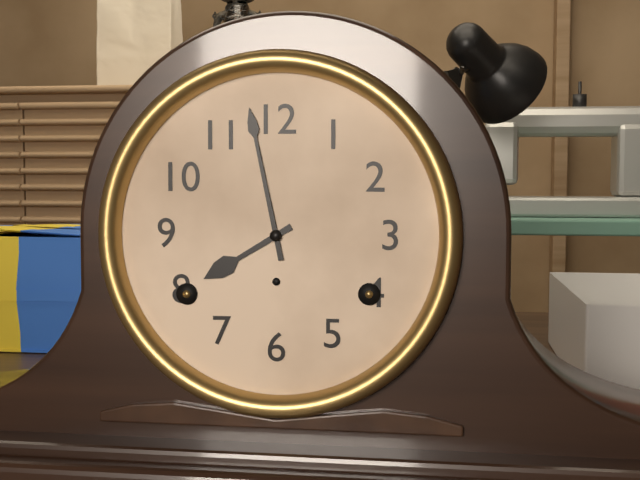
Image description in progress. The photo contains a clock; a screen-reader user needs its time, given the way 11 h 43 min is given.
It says 7 h 58 min
